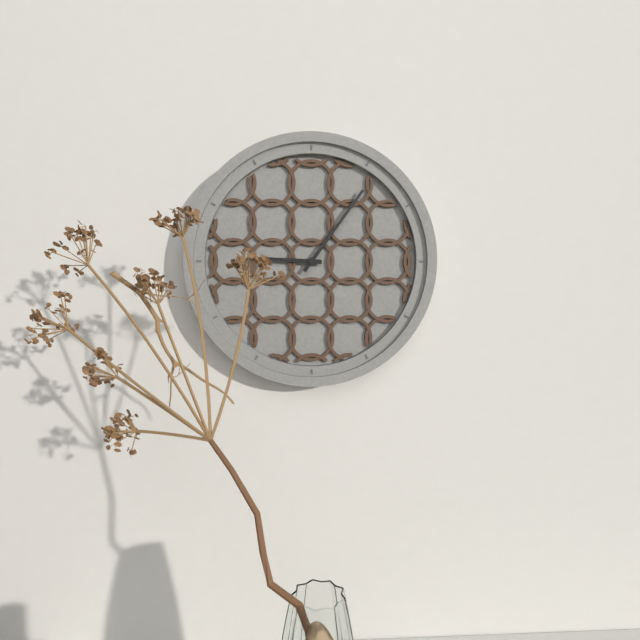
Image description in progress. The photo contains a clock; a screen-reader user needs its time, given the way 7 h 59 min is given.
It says 9 h 06 min
